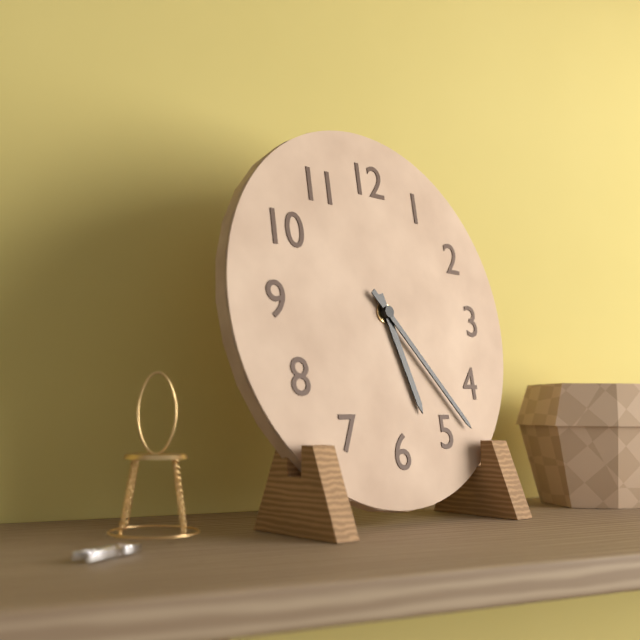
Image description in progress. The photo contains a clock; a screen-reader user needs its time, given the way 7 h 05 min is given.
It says 5 h 23 min
